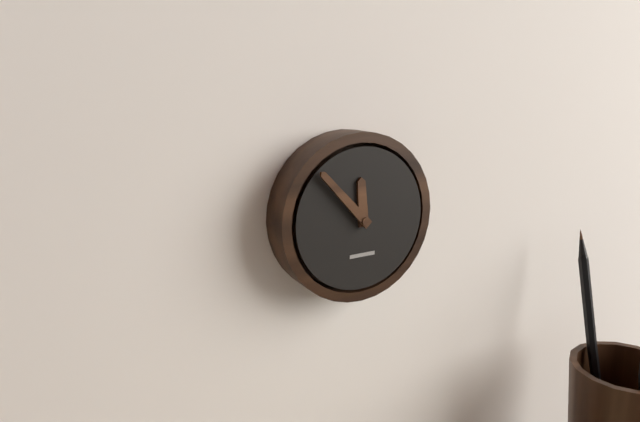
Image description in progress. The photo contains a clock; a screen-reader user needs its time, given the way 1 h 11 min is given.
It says 11 h 53 min
